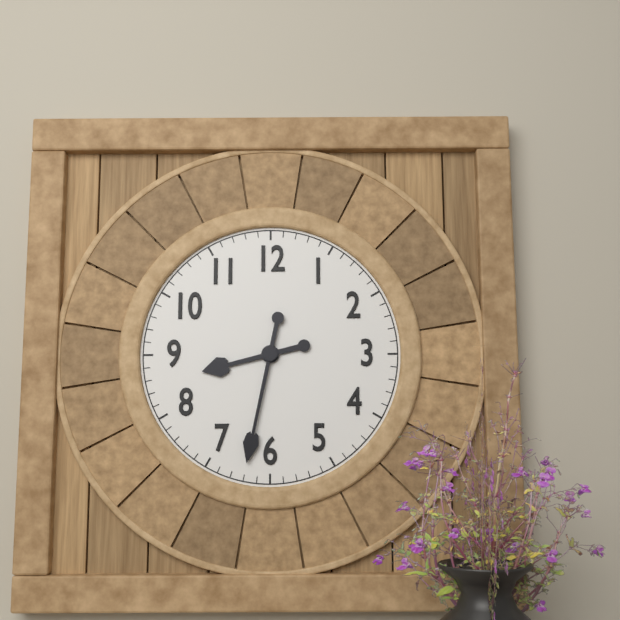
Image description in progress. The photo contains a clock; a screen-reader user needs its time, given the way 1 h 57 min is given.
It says 8 h 32 min
